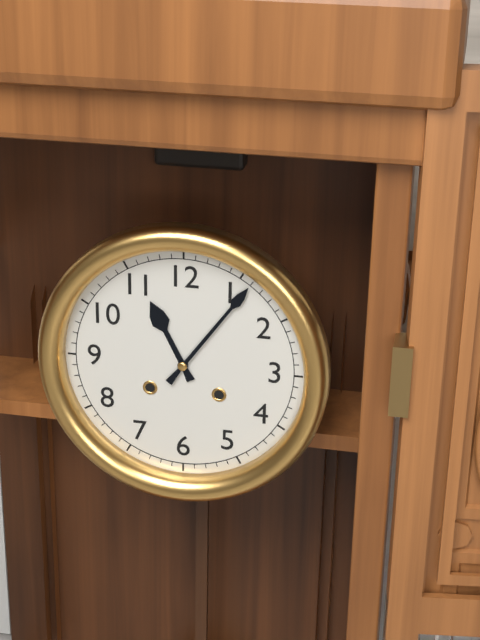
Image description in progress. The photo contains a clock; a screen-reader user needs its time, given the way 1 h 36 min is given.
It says 11 h 06 min
